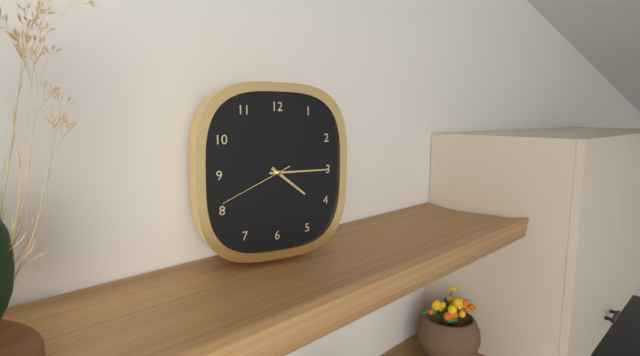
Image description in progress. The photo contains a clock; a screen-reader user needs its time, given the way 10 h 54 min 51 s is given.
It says 4 h 15 min 41 s
